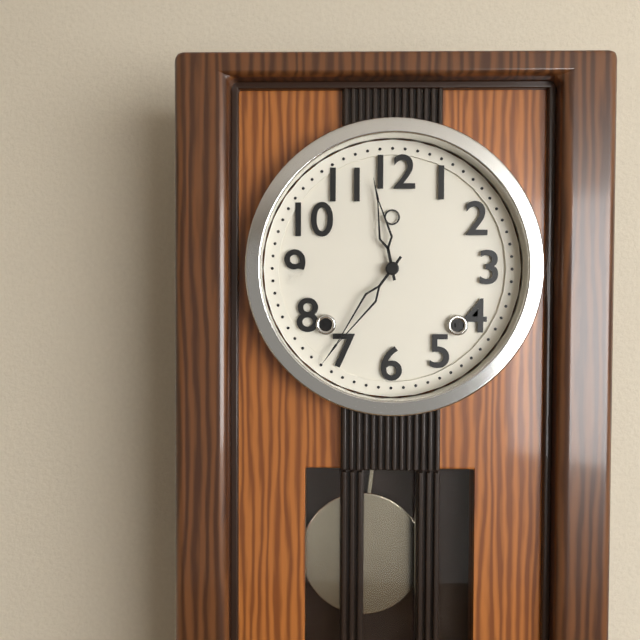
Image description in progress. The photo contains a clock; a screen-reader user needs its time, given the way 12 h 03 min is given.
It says 11 h 36 min
